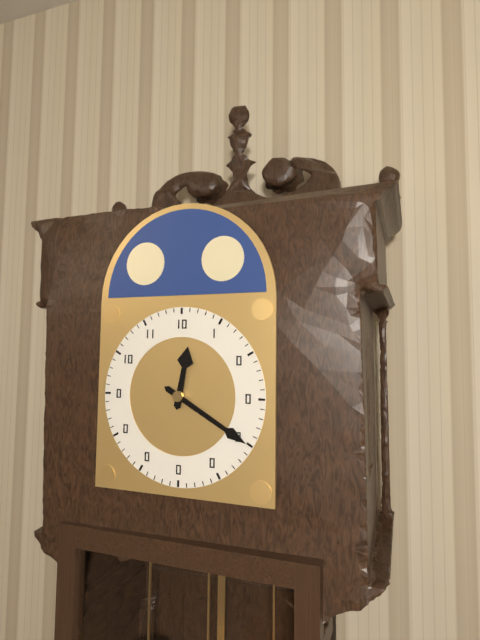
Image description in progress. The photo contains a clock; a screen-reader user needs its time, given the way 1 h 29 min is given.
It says 12 h 20 min
